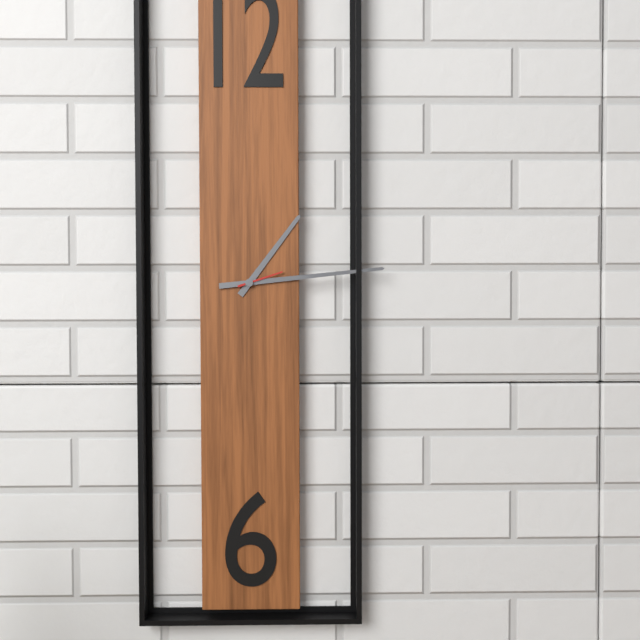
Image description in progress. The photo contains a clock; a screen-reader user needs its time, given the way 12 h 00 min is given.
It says 1 h 14 min
